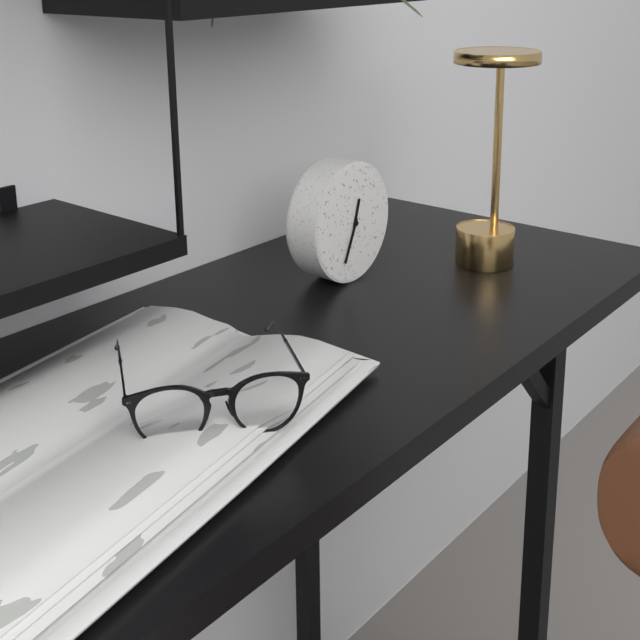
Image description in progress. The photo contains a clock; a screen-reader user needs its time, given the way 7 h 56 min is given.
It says 12 h 34 min
